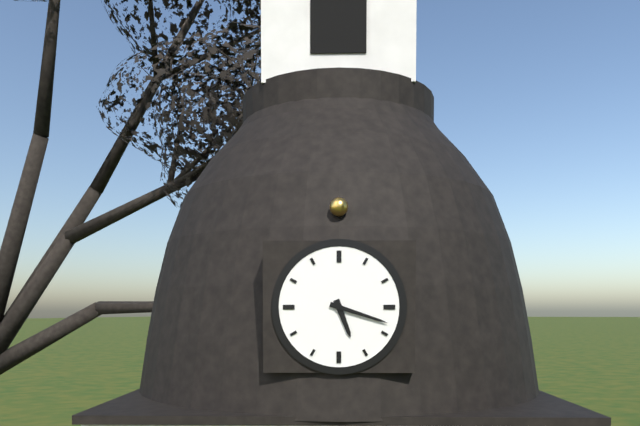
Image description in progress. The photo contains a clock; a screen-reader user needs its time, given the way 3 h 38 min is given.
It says 5 h 18 min
